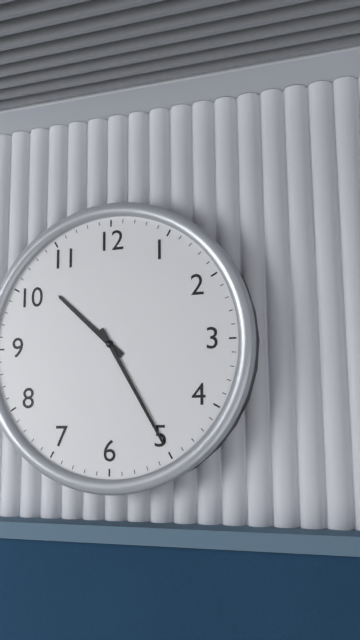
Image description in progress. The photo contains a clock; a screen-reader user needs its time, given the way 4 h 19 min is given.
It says 10 h 25 min
